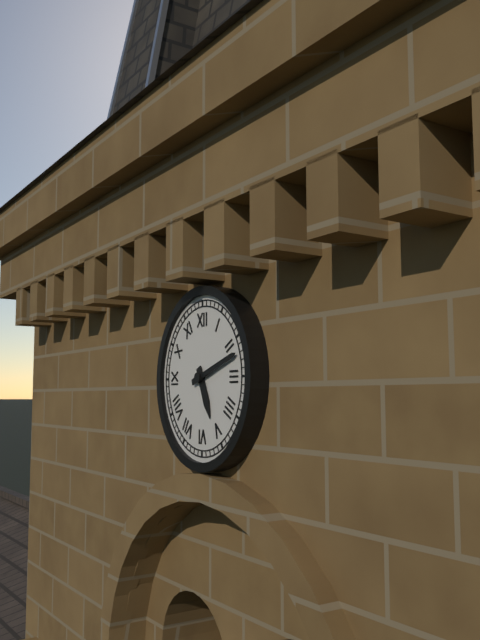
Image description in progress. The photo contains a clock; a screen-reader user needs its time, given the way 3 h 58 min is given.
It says 5 h 12 min
